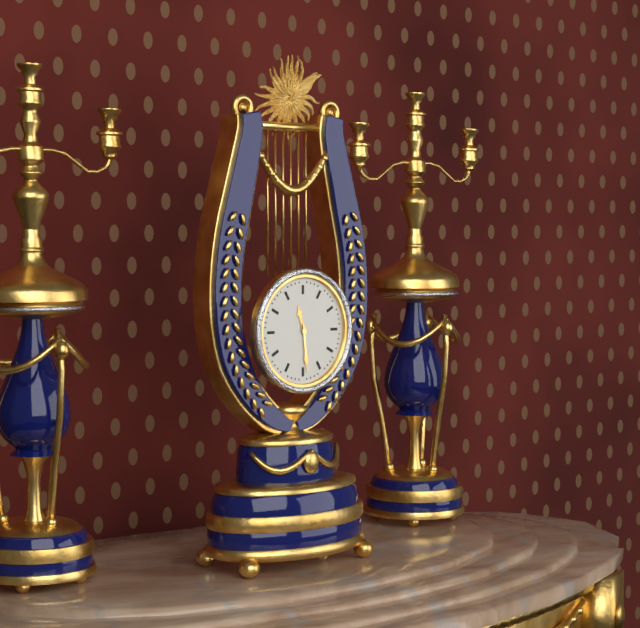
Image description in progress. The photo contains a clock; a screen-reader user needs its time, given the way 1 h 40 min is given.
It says 11 h 29 min
